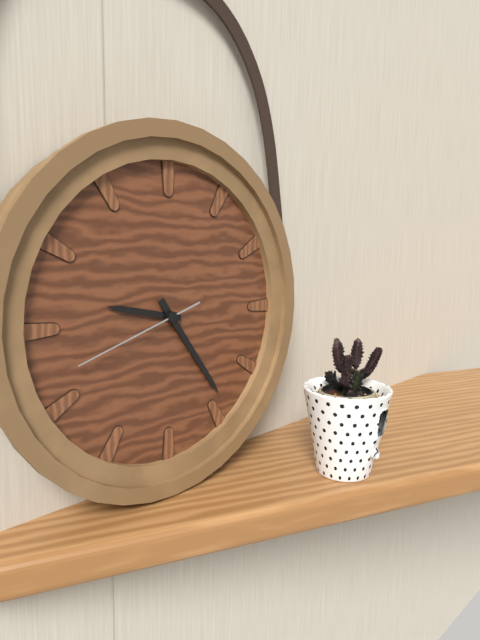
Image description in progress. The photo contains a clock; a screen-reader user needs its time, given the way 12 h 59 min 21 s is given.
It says 9 h 24 min 42 s
